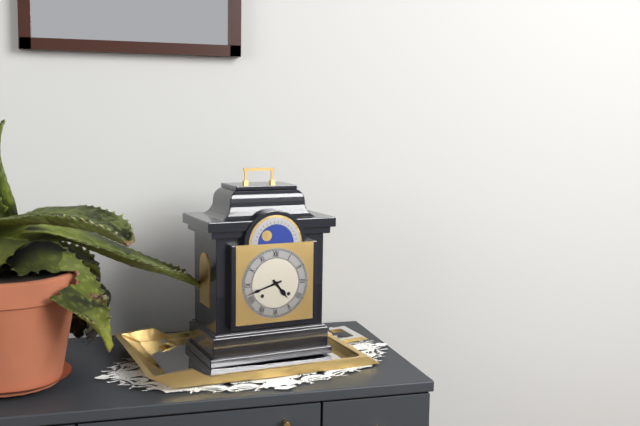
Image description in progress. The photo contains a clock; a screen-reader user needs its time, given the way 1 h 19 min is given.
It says 4 h 42 min
